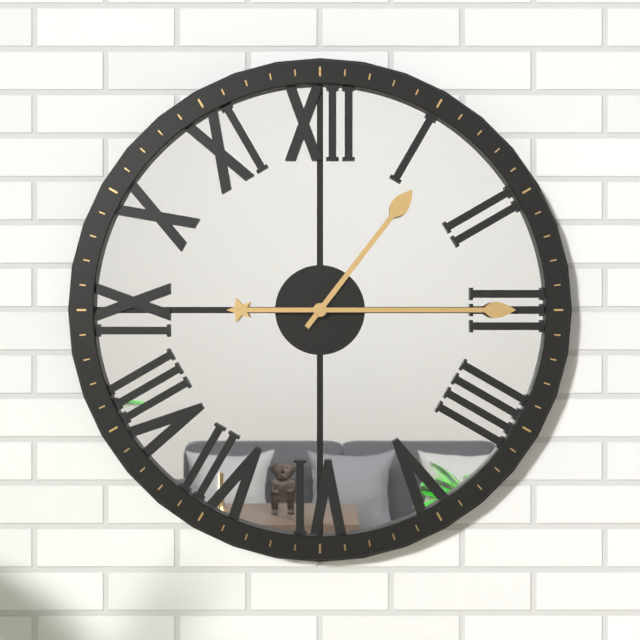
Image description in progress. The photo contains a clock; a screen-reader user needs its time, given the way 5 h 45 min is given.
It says 1 h 15 min
